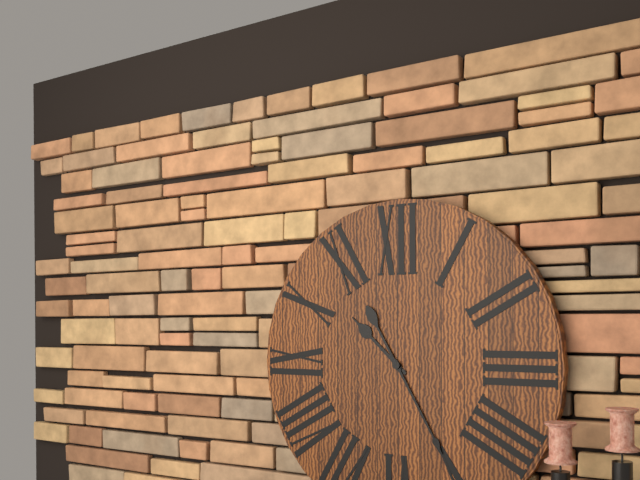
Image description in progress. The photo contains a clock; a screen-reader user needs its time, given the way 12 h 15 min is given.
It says 10 h 25 min
